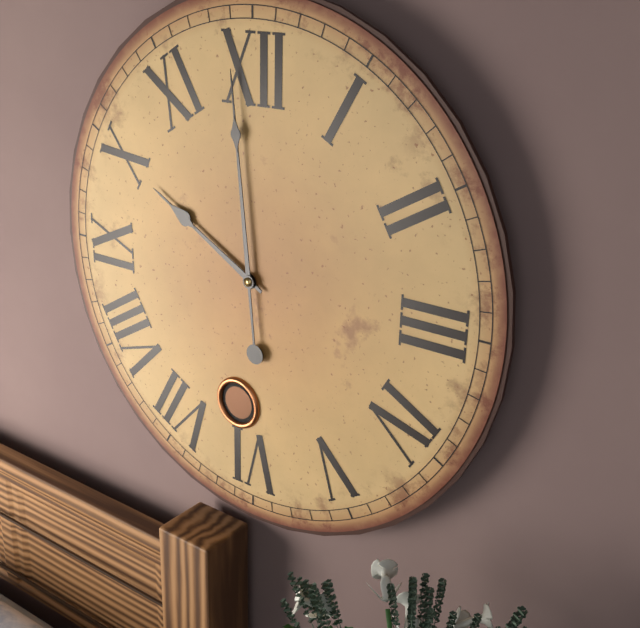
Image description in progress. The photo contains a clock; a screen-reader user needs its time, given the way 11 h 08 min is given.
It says 9 h 59 min
